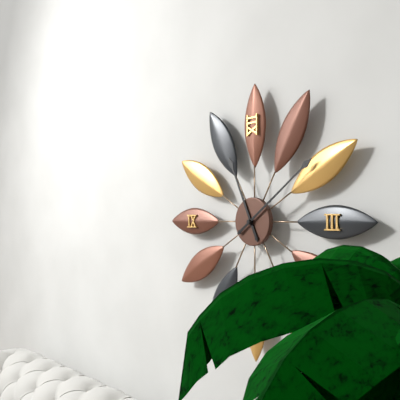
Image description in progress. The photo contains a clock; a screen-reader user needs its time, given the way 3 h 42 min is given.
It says 11 h 09 min
